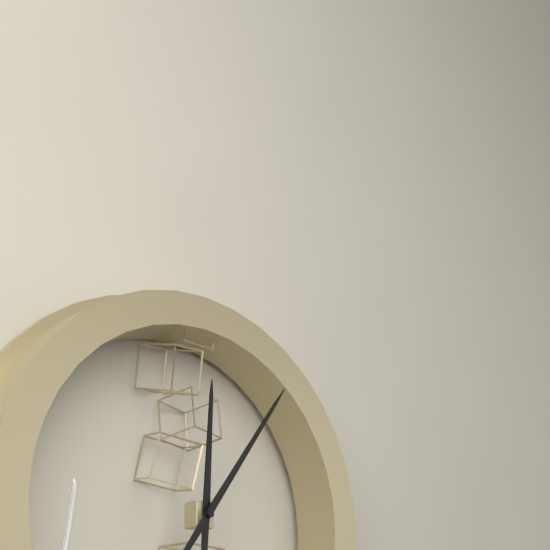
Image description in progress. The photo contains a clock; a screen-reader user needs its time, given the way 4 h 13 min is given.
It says 12 h 06 min
